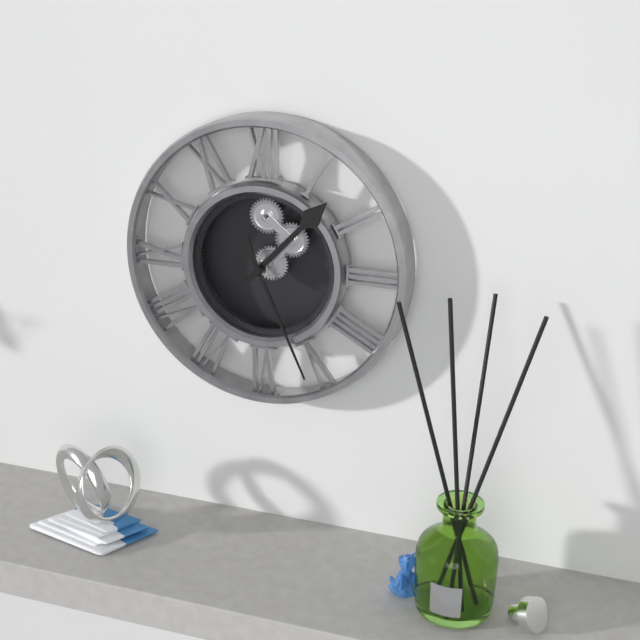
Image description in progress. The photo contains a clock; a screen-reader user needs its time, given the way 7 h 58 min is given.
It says 1 h 26 min
